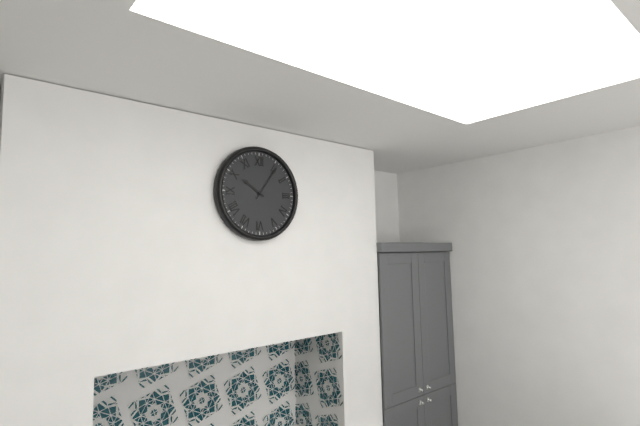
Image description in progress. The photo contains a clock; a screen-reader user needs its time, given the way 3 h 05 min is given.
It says 10 h 06 min
